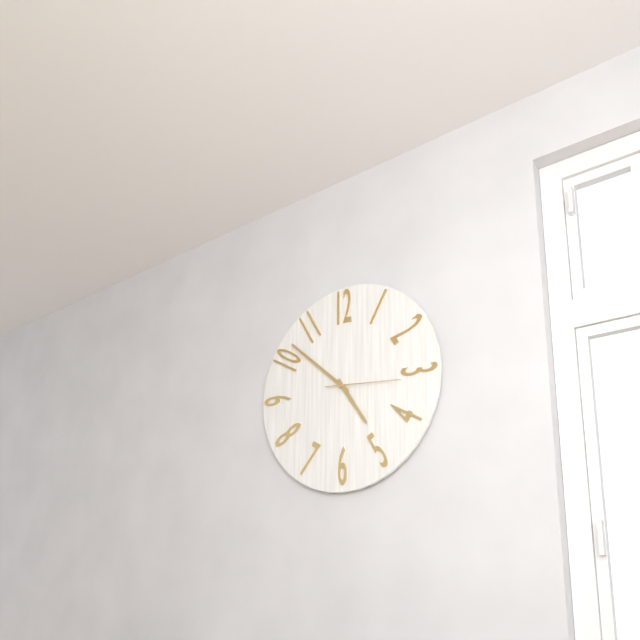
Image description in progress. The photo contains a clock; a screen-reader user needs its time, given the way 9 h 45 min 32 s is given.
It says 4 h 52 min 16 s
